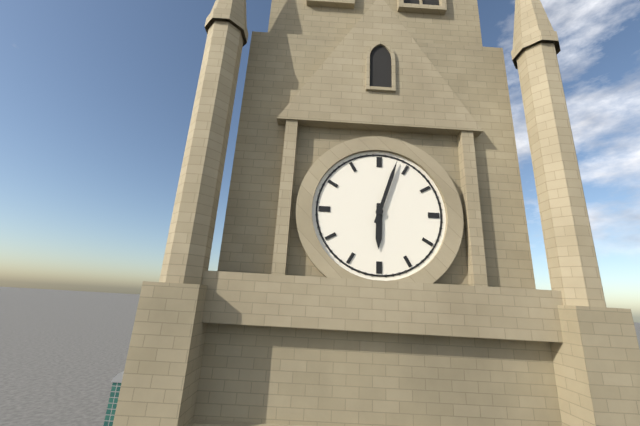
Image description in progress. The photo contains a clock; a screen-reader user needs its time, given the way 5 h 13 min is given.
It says 6 h 03 min
